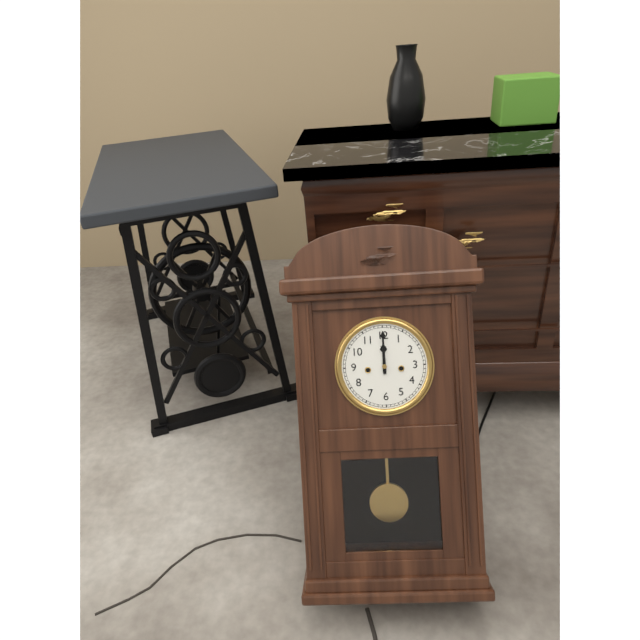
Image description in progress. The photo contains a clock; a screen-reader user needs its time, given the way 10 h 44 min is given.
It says 12 h 00 min
